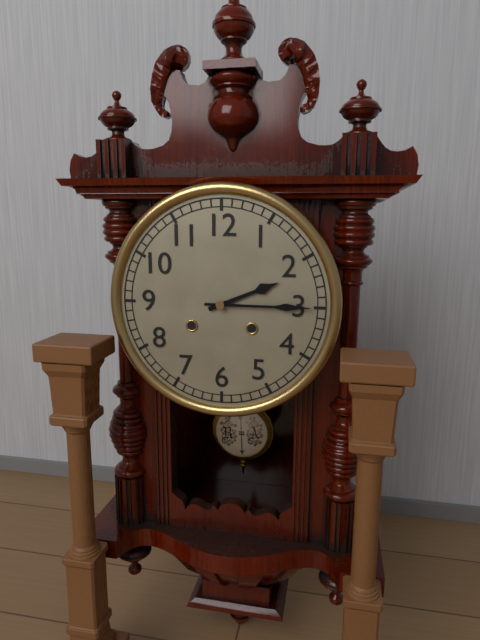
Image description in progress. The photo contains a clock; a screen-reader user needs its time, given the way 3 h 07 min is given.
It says 2 h 15 min
